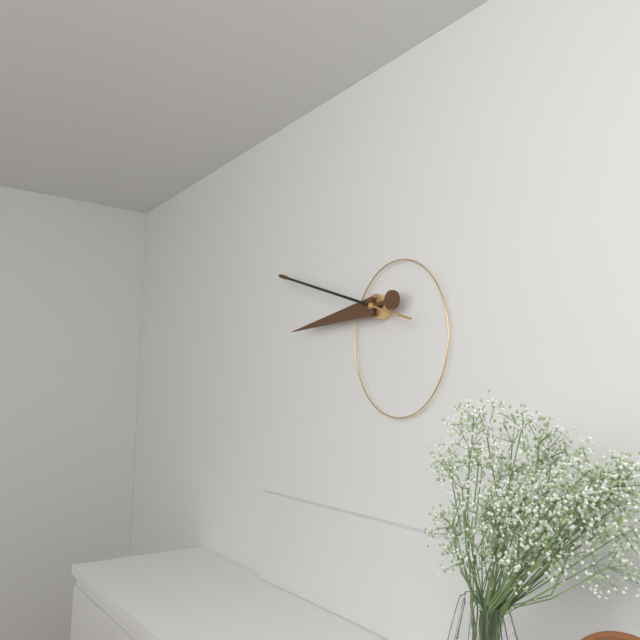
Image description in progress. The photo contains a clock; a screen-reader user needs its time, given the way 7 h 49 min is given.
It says 8 h 48 min
